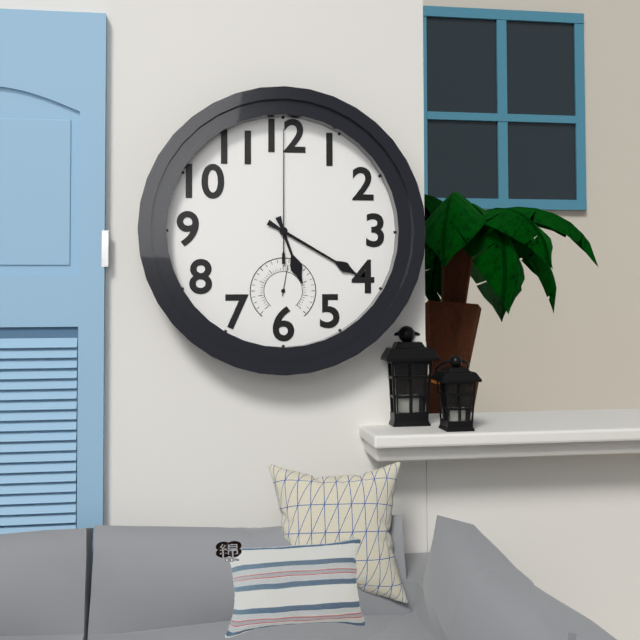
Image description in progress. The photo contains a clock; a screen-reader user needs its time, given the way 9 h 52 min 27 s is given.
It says 5 h 20 min 00 s
